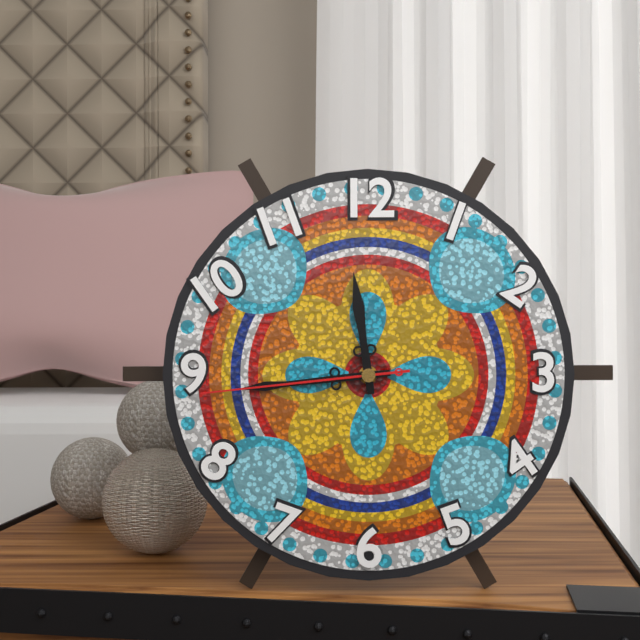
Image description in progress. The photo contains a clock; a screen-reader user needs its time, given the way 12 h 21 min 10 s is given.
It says 11 h 44 min 44 s
